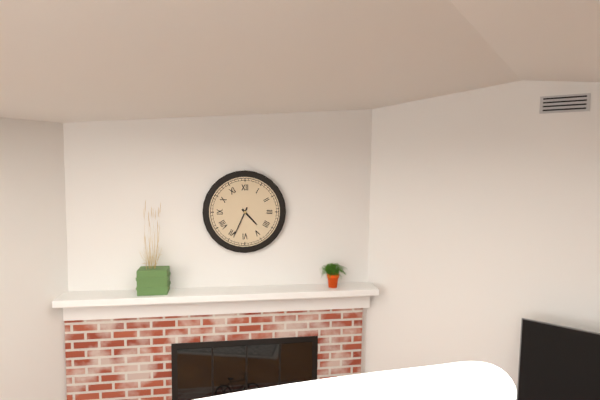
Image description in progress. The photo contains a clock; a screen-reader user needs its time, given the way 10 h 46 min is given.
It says 4 h 34 min
